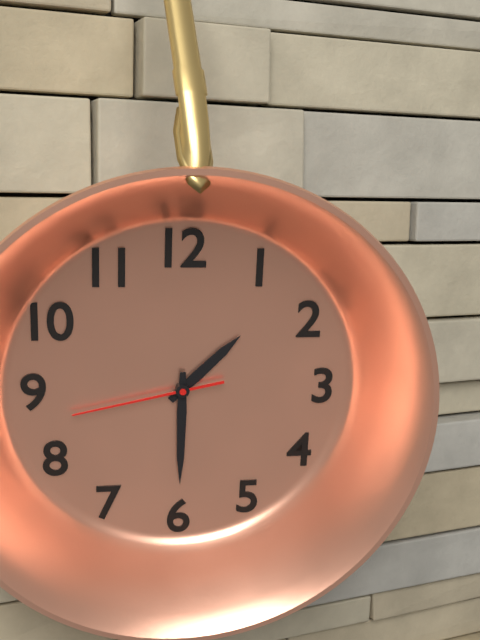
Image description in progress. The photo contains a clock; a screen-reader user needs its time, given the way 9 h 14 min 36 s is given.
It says 1 h 30 min 43 s
